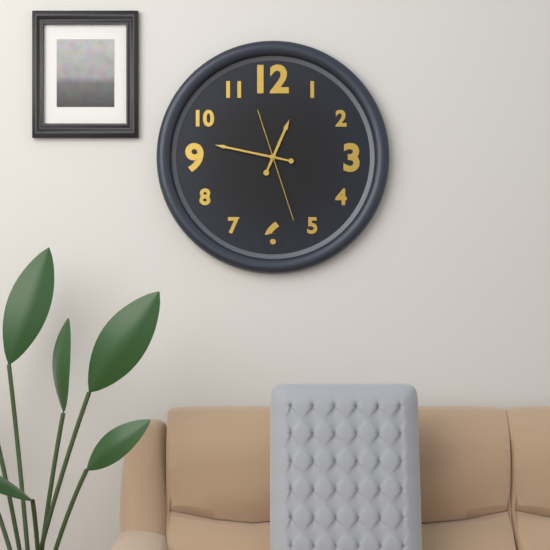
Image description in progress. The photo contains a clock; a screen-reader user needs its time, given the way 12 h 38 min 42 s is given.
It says 12 h 47 min 27 s
